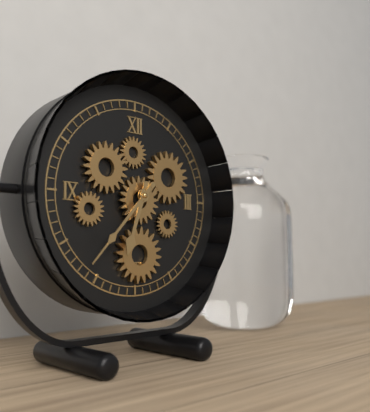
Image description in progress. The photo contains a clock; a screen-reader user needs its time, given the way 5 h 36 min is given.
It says 6 h 37 min
